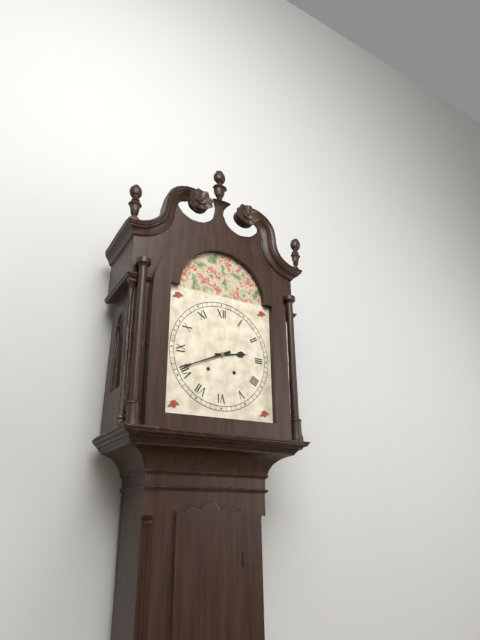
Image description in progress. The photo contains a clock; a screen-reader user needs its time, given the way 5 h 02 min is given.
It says 2 h 41 min
